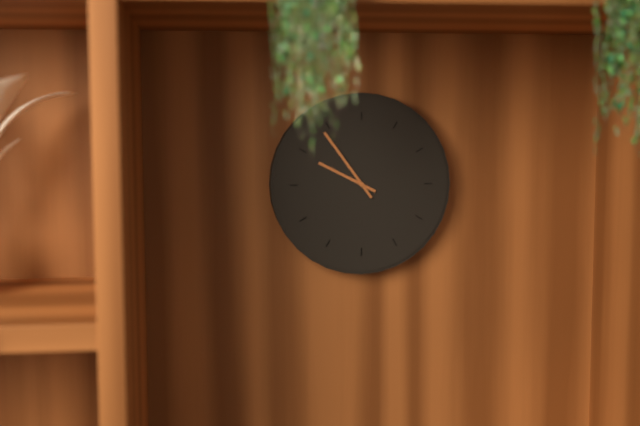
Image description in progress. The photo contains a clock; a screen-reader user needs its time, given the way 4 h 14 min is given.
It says 9 h 54 min
